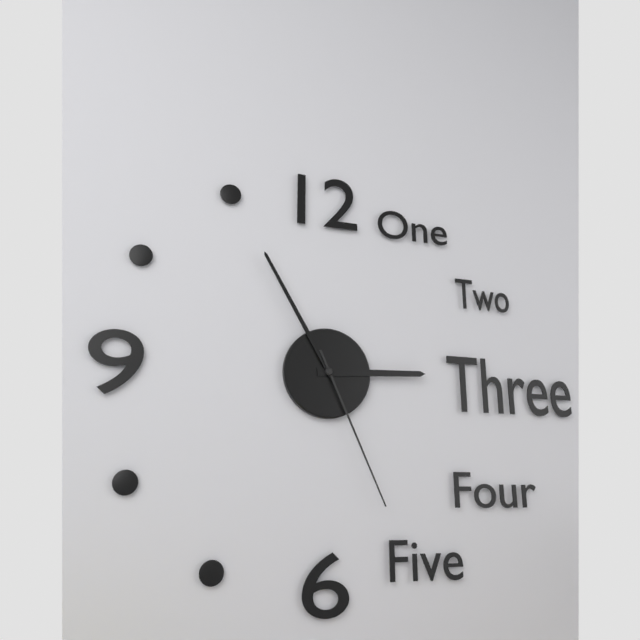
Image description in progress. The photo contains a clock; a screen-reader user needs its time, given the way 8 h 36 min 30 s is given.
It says 2 h 55 min 26 s
